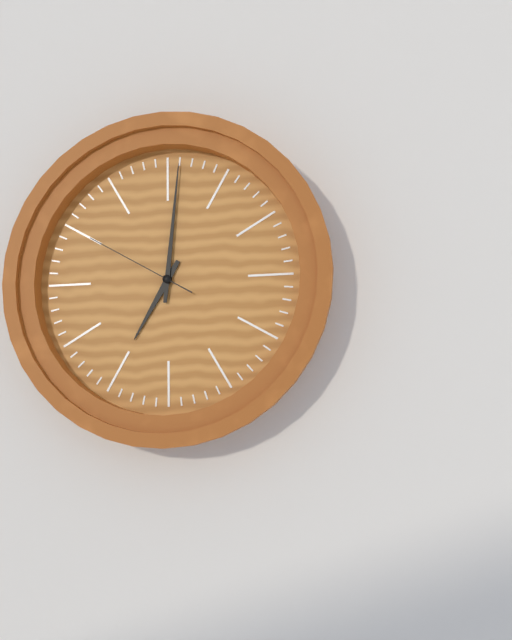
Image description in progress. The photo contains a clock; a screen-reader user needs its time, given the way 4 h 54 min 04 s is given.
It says 7 h 01 min 50 s
